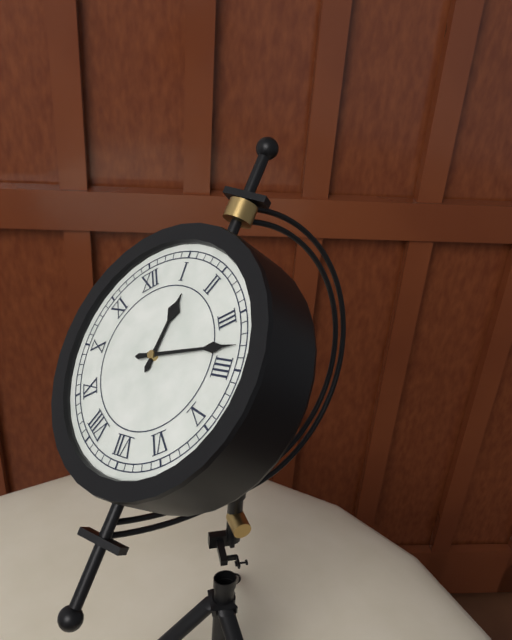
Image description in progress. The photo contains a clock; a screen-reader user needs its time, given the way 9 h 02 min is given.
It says 1 h 18 min
